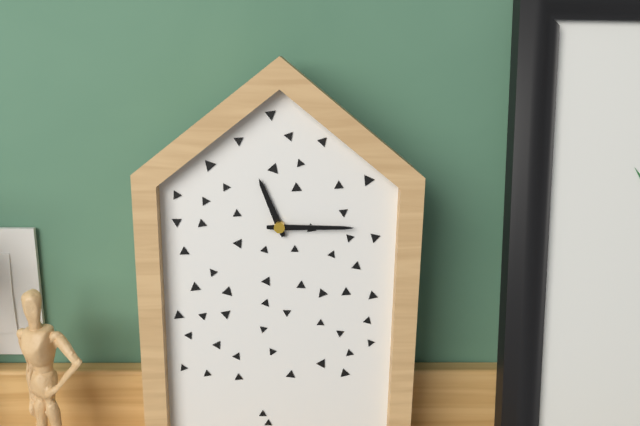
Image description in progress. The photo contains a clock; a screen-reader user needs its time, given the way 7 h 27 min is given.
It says 11 h 15 min
